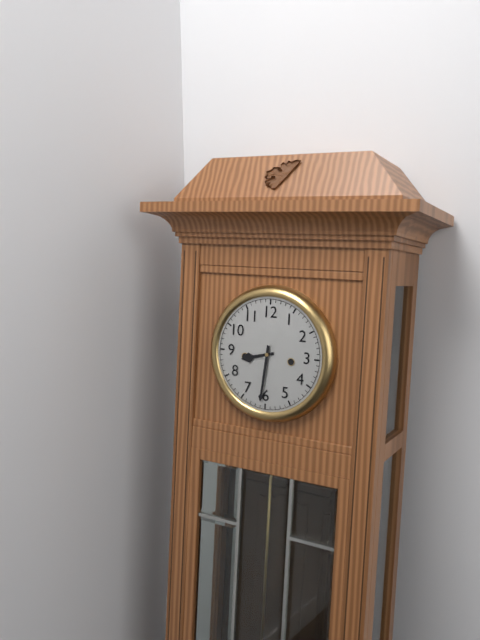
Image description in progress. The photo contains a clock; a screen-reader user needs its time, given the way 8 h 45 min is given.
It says 8 h 31 min
